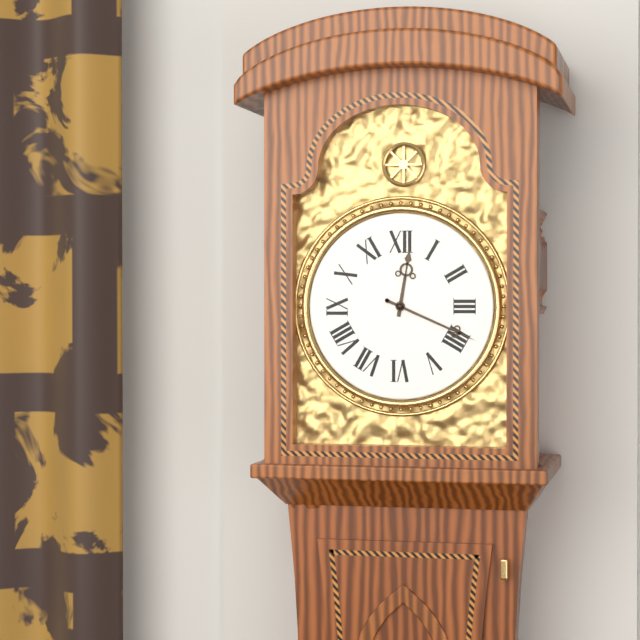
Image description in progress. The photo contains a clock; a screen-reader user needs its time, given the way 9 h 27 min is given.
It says 12 h 19 min
